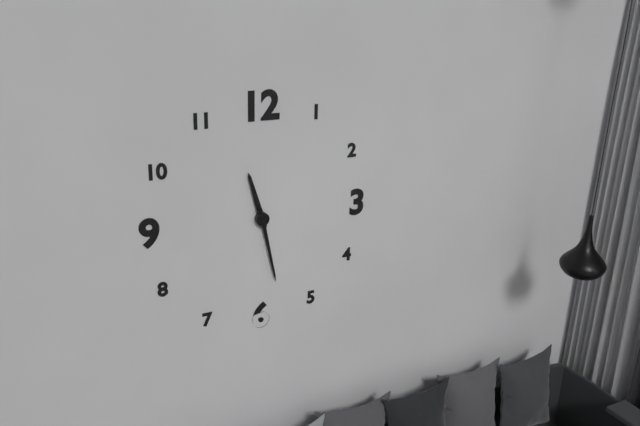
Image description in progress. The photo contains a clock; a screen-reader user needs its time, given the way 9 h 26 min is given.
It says 11 h 28 min
